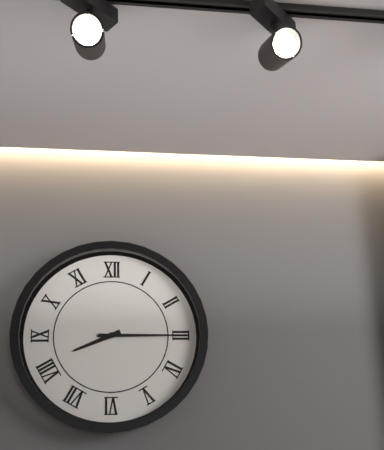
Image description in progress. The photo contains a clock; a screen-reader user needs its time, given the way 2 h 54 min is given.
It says 8 h 15 min
